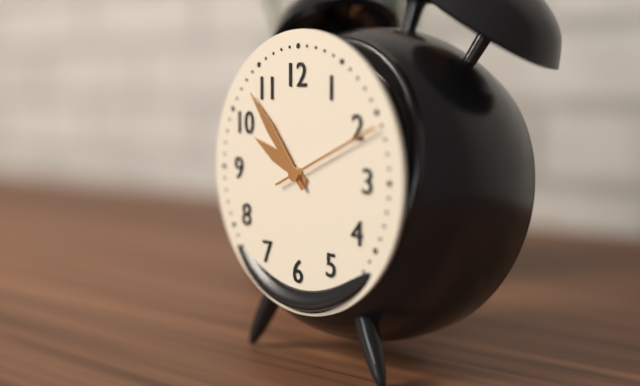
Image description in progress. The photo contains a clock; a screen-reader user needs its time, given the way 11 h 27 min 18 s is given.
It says 9 h 53 min 11 s
